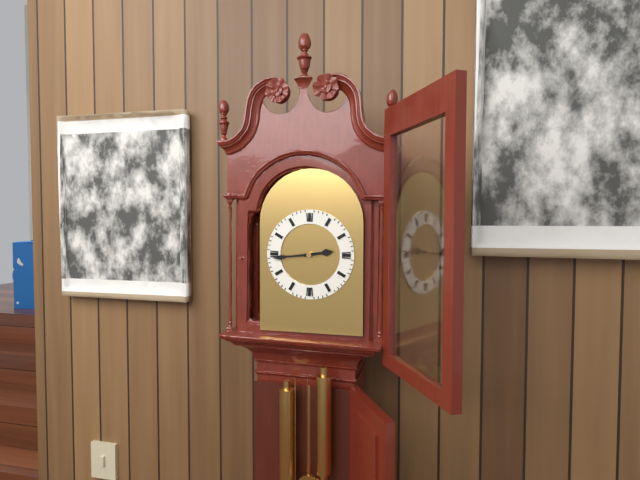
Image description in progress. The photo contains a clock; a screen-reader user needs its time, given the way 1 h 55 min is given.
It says 2 h 44 min
